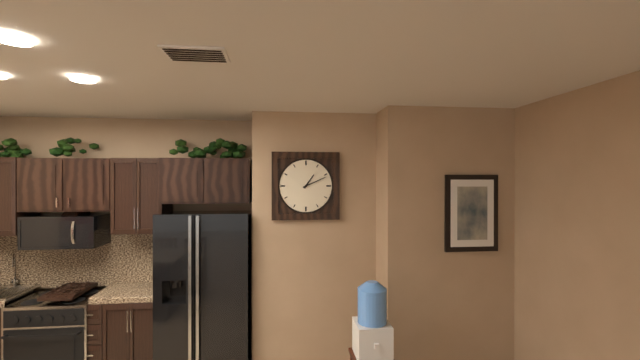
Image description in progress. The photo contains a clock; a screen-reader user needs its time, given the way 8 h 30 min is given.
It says 1 h 11 min
